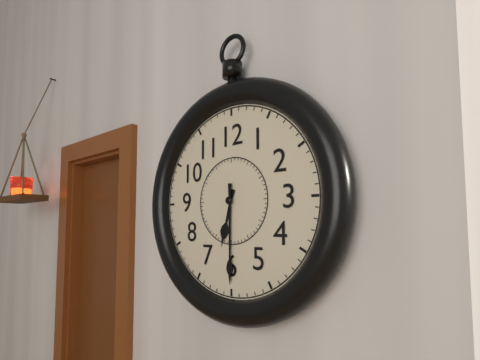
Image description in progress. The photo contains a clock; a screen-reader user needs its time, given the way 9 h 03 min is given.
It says 6 h 30 min
